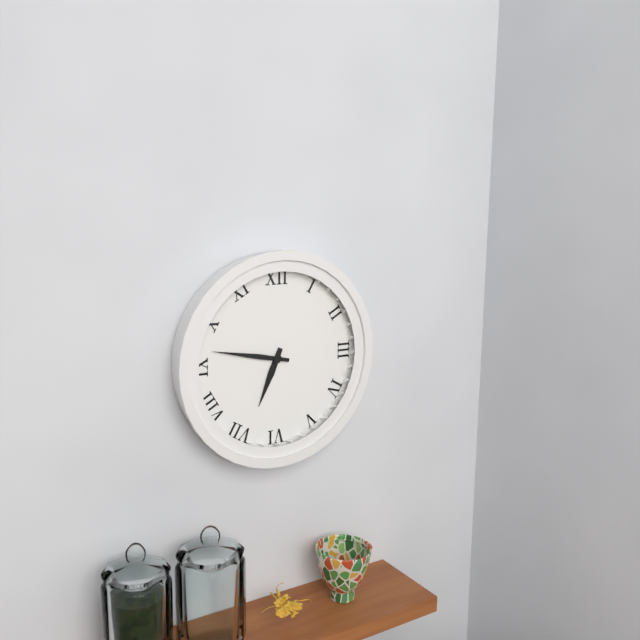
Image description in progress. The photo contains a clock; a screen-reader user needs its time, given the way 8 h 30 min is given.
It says 6 h 47 min
